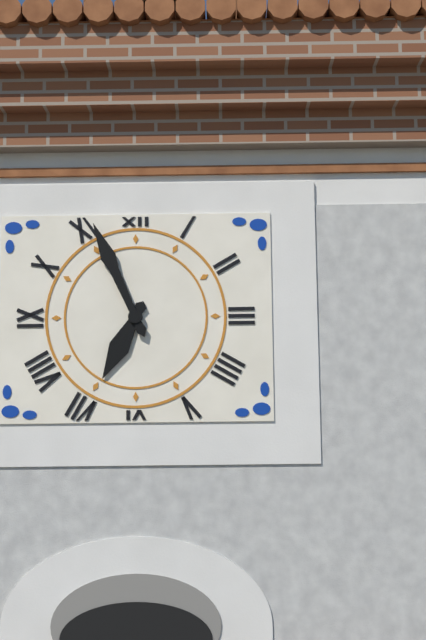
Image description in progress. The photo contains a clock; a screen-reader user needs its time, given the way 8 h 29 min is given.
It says 6 h 56 min
